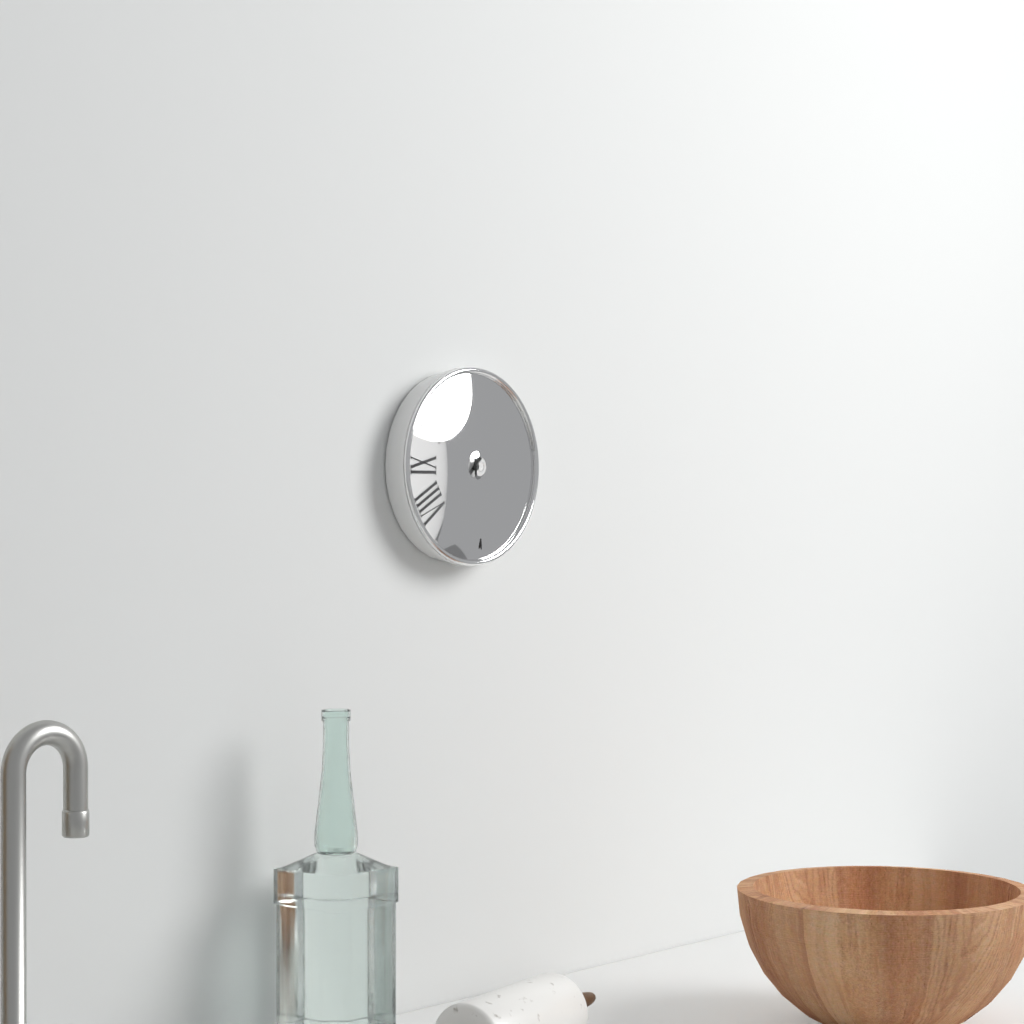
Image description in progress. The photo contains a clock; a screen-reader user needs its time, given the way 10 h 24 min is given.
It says 7 h 29 min
